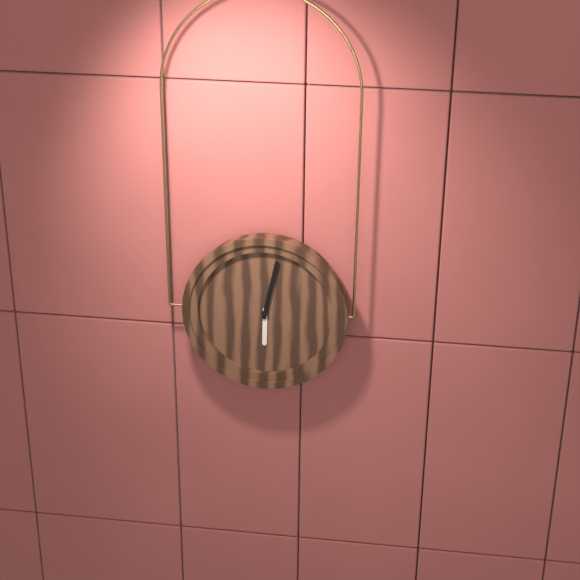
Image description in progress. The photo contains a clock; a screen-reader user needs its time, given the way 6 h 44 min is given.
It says 6 h 02 min
